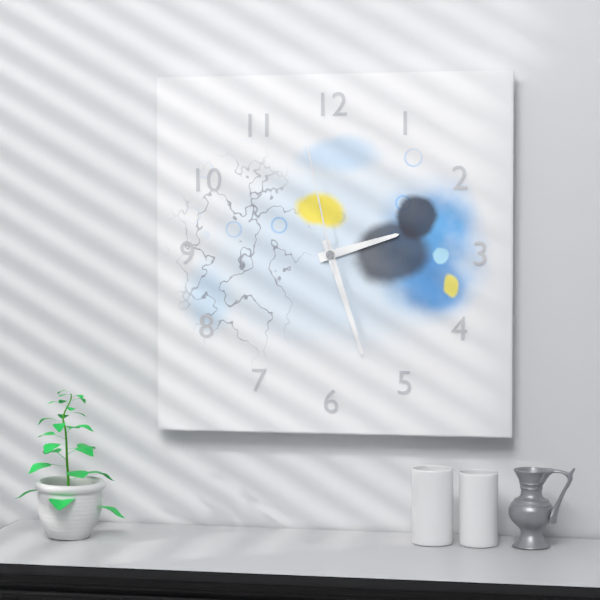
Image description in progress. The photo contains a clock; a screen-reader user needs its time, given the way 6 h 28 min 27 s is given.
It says 2 h 27 min 58 s
